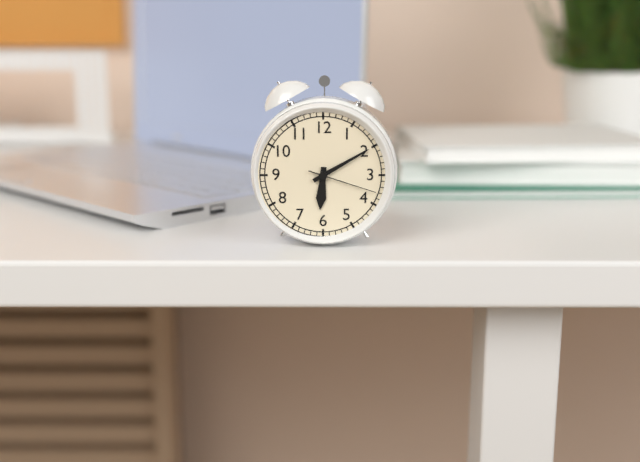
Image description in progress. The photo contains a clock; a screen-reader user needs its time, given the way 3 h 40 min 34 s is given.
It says 6 h 10 min 18 s
